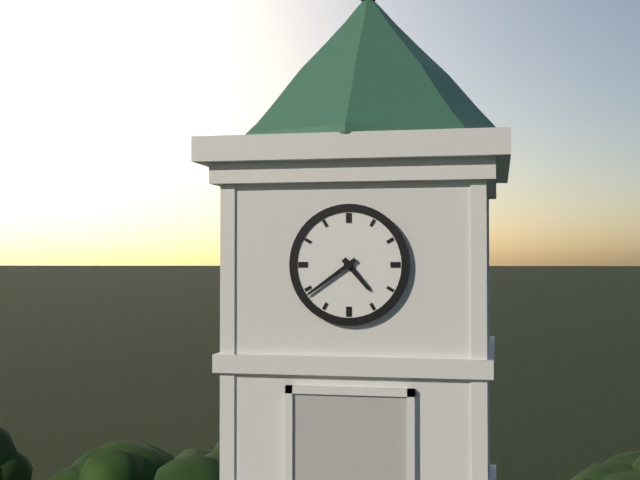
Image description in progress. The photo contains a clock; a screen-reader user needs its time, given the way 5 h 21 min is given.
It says 4 h 39 min
